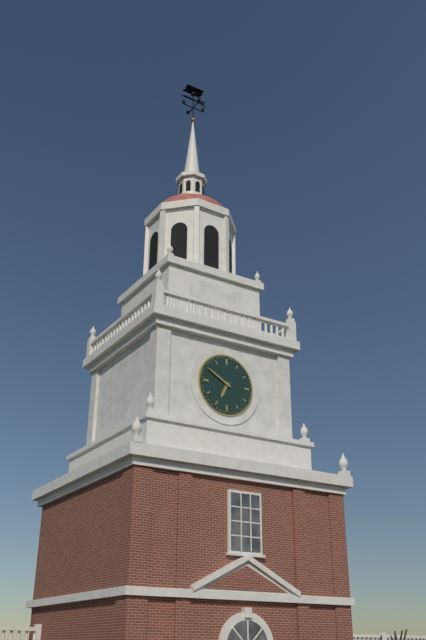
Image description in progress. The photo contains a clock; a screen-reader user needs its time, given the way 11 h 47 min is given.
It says 6 h 50 min
